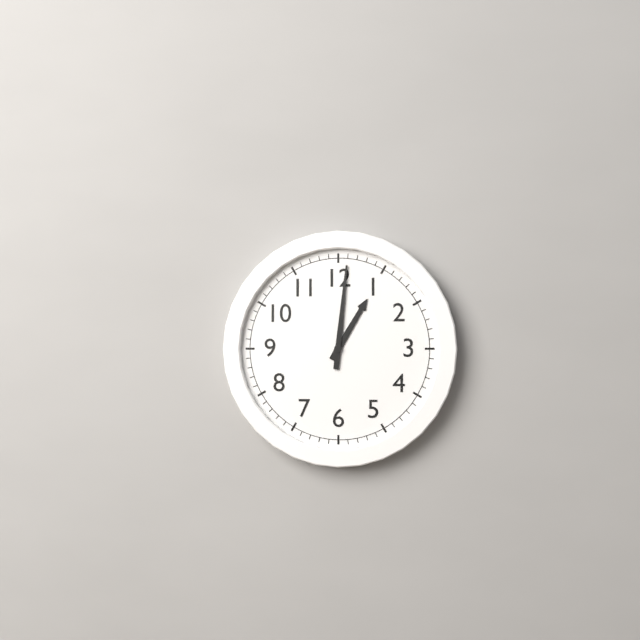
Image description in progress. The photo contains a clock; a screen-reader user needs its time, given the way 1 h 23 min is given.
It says 1 h 01 min
